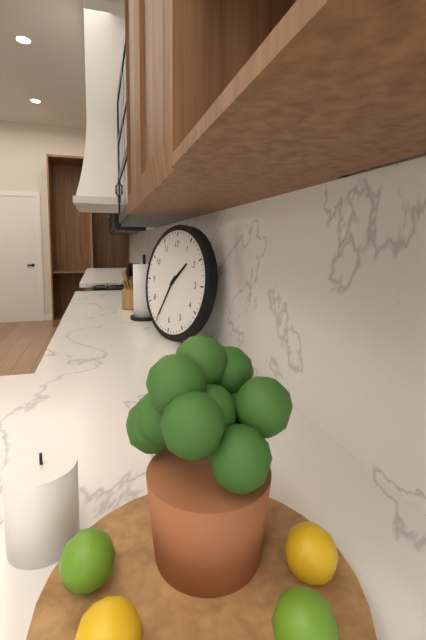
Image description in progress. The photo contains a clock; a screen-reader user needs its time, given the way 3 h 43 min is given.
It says 1 h 35 min
